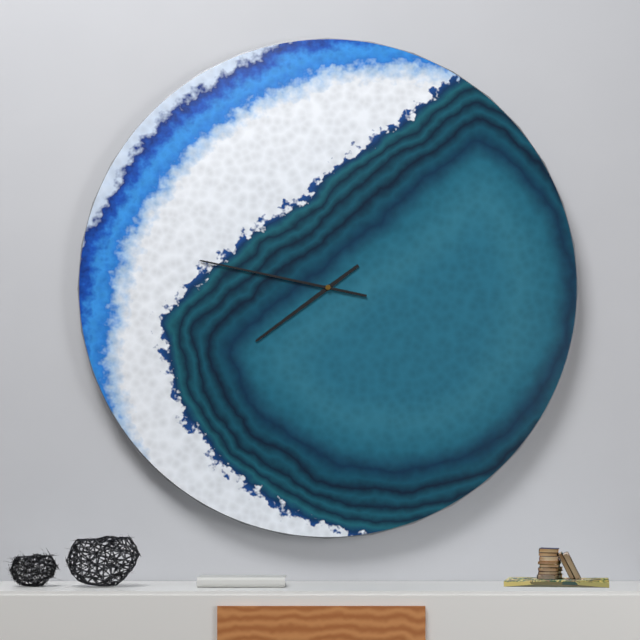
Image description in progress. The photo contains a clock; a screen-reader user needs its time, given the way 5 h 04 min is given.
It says 7 h 47 min
